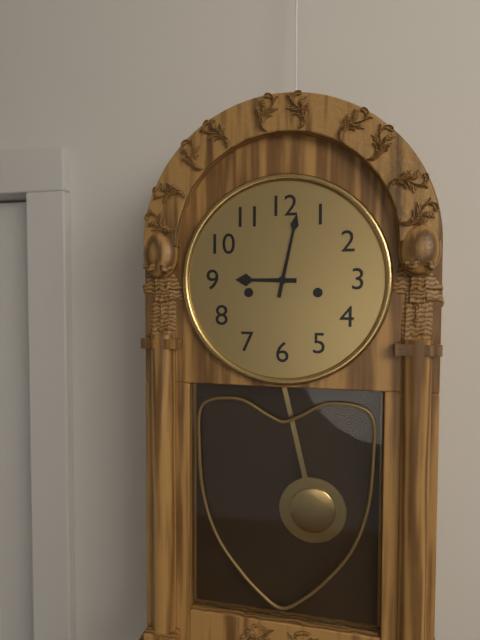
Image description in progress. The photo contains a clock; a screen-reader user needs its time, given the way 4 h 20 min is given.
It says 9 h 02 min
